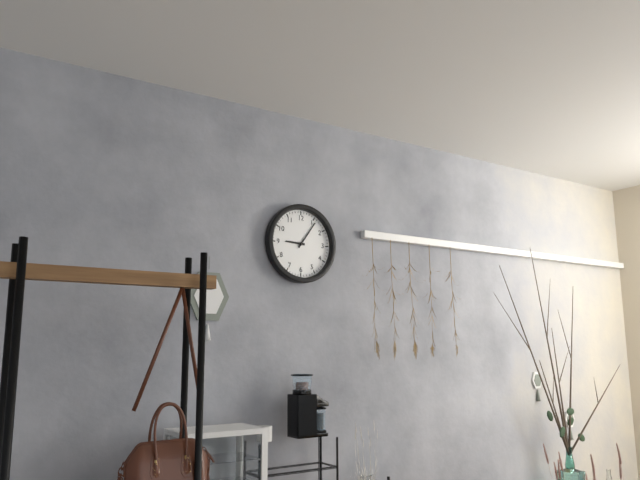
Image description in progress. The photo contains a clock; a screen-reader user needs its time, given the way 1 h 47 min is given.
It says 9 h 06 min
